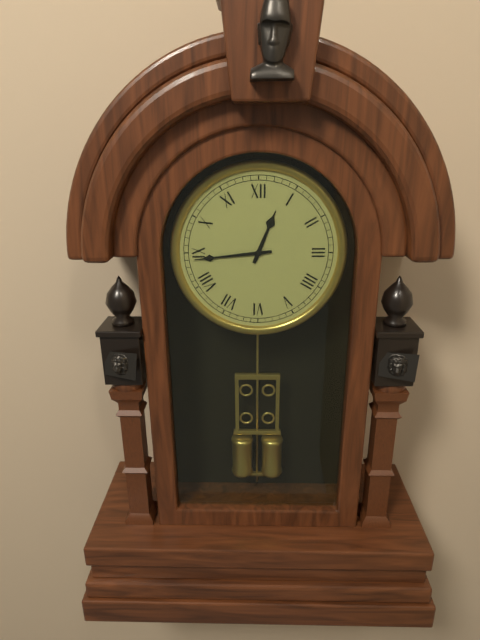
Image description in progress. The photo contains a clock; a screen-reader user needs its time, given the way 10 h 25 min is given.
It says 12 h 44 min
